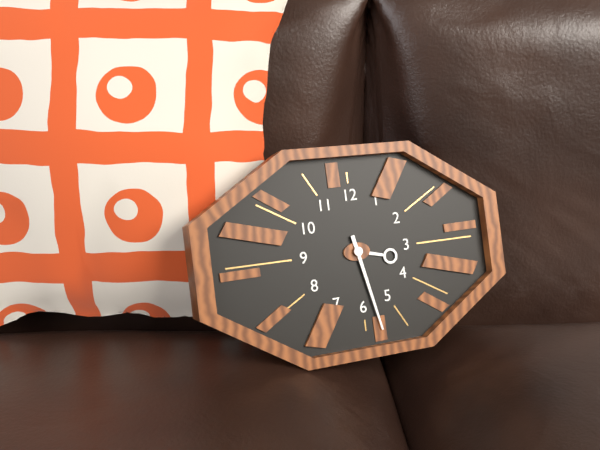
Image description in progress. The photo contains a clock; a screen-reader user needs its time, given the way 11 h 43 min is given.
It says 3 h 28 min
